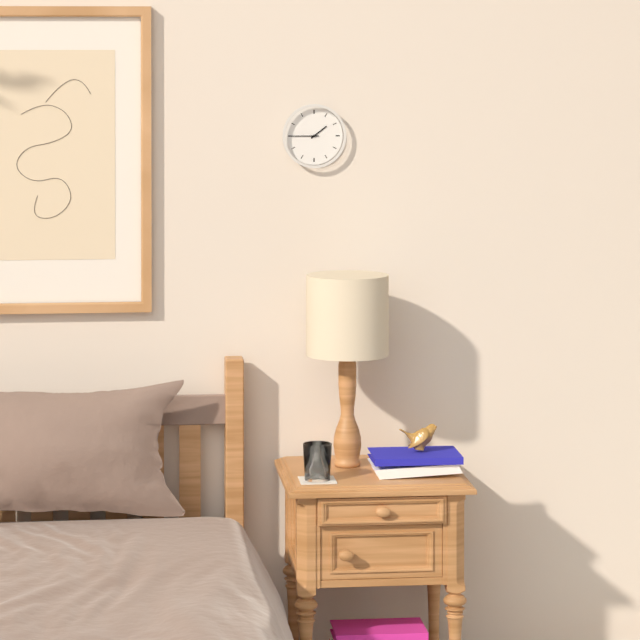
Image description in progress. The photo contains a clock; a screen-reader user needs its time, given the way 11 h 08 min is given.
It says 1 h 45 min
